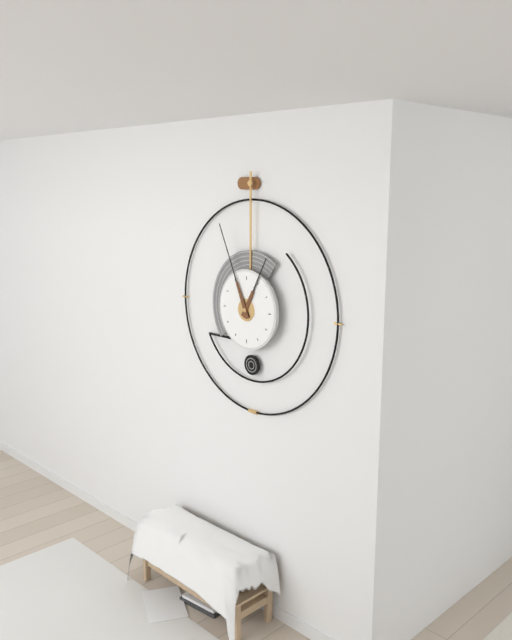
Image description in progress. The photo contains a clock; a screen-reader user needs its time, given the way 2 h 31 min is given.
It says 12 h 56 min
